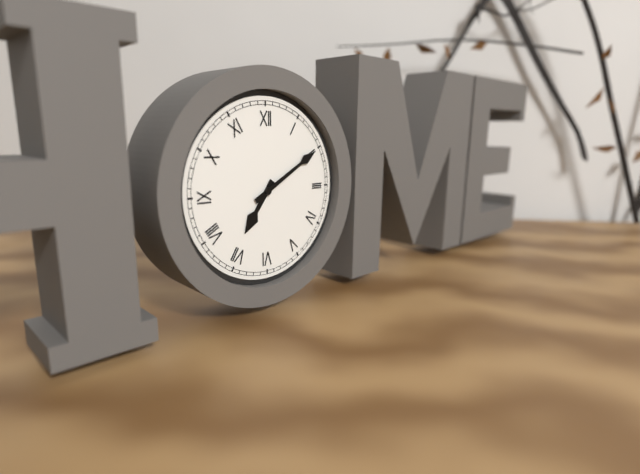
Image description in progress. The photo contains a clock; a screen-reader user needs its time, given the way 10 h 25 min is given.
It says 7 h 10 min
